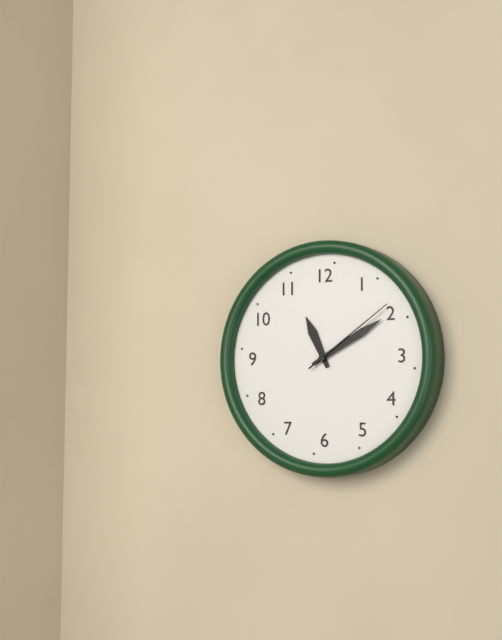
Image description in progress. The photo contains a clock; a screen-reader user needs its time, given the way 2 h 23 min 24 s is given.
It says 11 h 10 min 09 s
